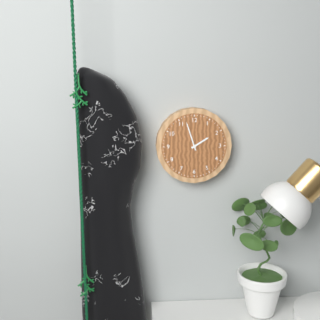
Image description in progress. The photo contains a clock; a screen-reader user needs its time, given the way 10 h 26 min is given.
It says 1 h 57 min
